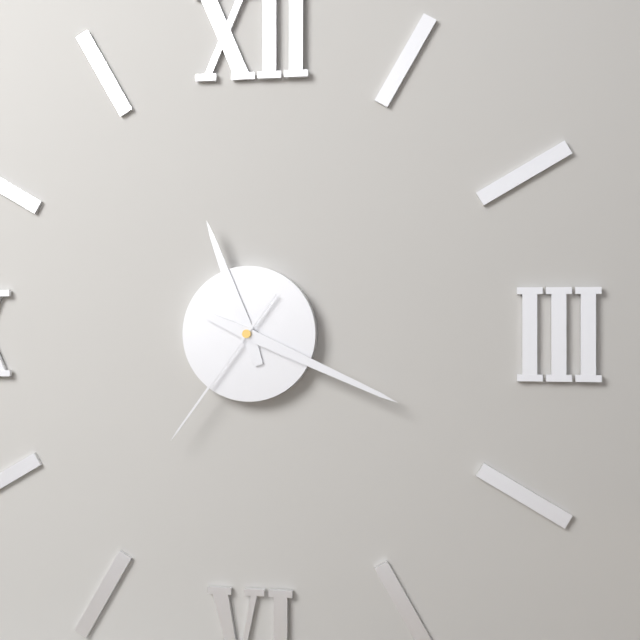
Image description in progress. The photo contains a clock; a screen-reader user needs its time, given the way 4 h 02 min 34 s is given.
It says 11 h 19 min 36 s
